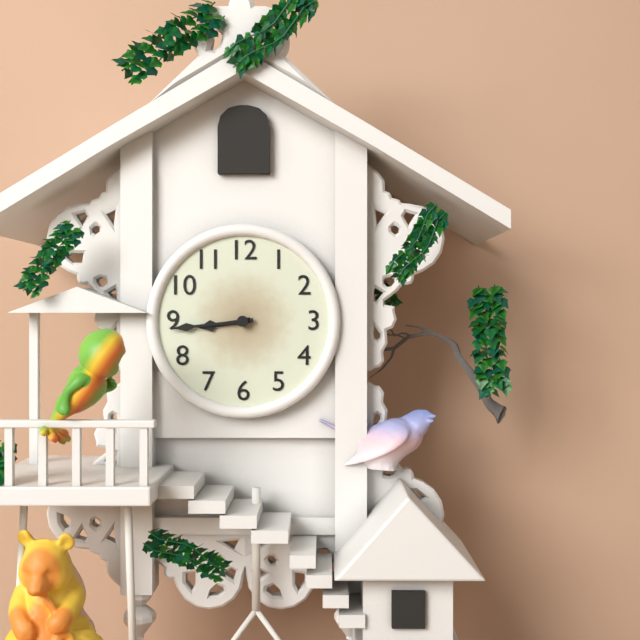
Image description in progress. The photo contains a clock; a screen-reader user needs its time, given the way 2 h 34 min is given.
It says 8 h 44 min
